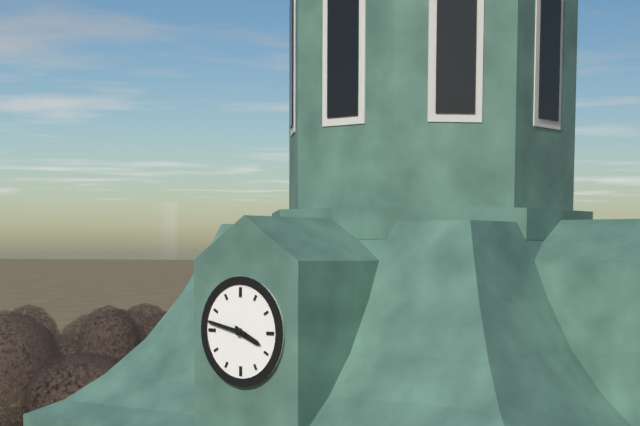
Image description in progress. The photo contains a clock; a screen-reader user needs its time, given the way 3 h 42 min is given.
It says 3 h 47 min
